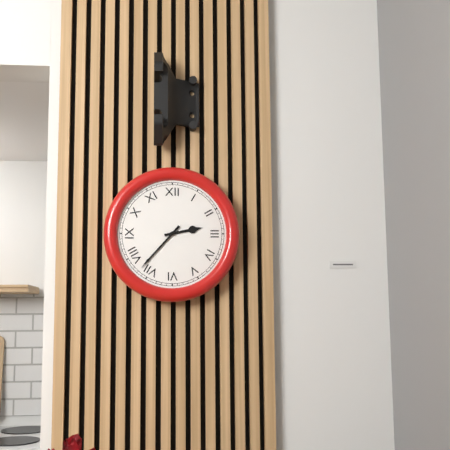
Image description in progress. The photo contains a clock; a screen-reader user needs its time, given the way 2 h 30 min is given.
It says 2 h 37 min
